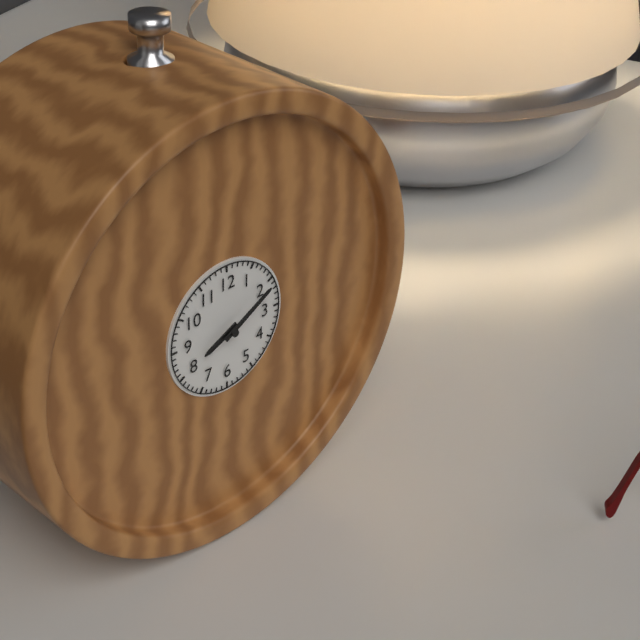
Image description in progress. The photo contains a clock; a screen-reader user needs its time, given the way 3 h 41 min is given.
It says 8 h 10 min
